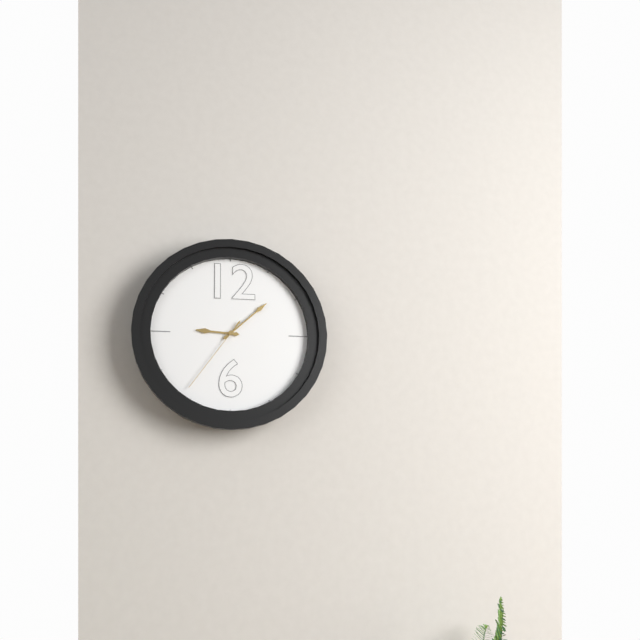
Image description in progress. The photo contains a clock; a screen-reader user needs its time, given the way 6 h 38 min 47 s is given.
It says 9 h 08 min 36 s
